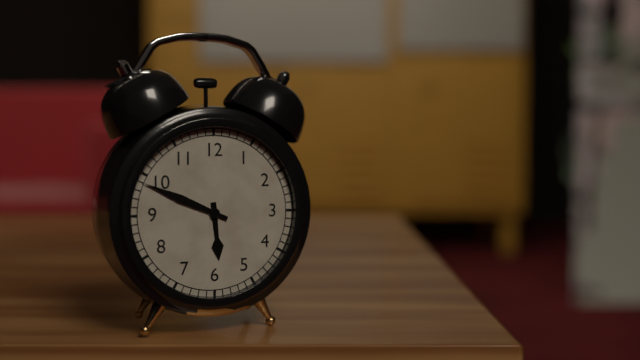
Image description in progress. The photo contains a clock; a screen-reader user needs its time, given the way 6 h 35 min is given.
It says 5 h 49 min
